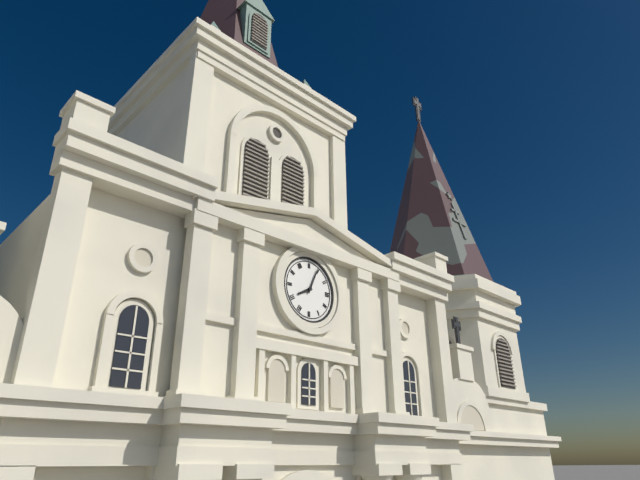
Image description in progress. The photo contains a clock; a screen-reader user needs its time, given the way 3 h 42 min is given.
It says 8 h 04 min
